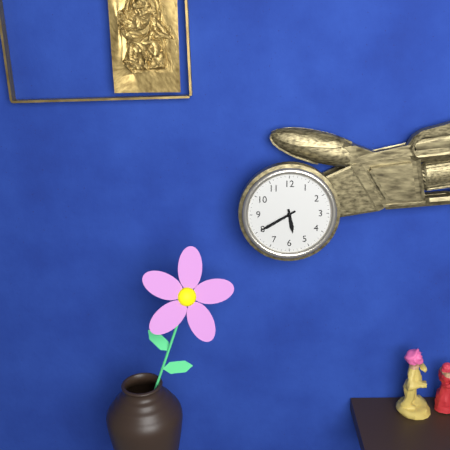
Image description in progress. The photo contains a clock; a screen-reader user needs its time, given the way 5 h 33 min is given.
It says 5 h 40 min
